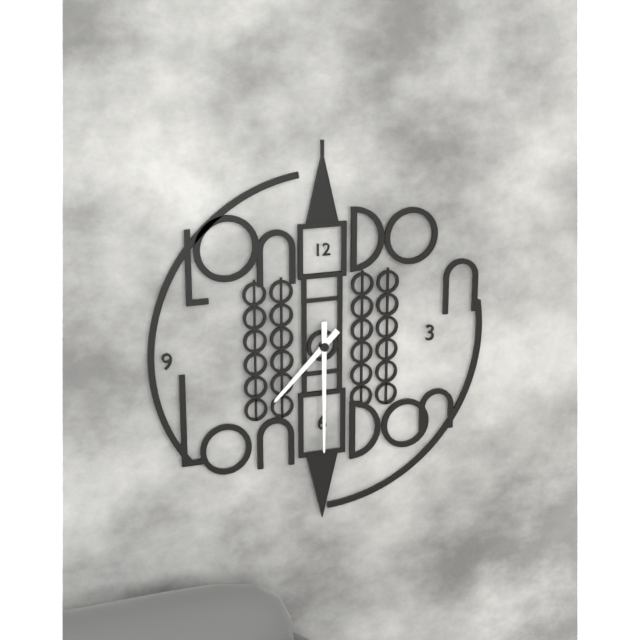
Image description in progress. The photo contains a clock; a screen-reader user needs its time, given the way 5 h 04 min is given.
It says 7 h 30 min
